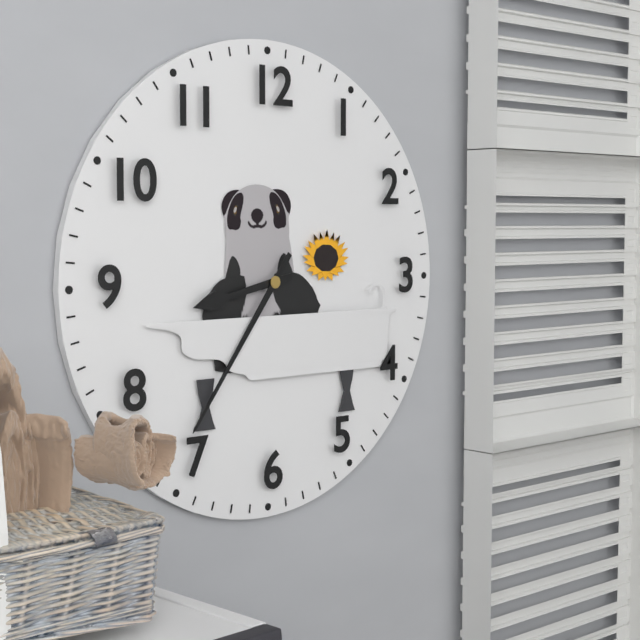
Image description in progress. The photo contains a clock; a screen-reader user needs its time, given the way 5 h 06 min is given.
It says 8 h 36 min
